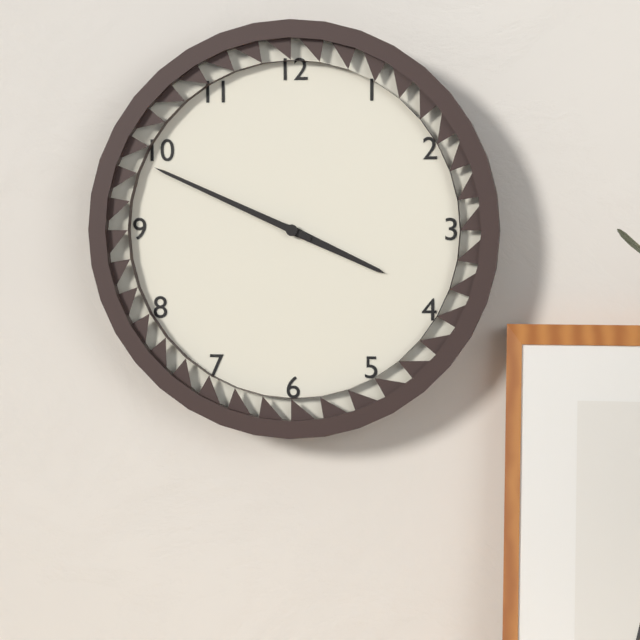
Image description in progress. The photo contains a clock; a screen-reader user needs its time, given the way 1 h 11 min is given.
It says 3 h 49 min
